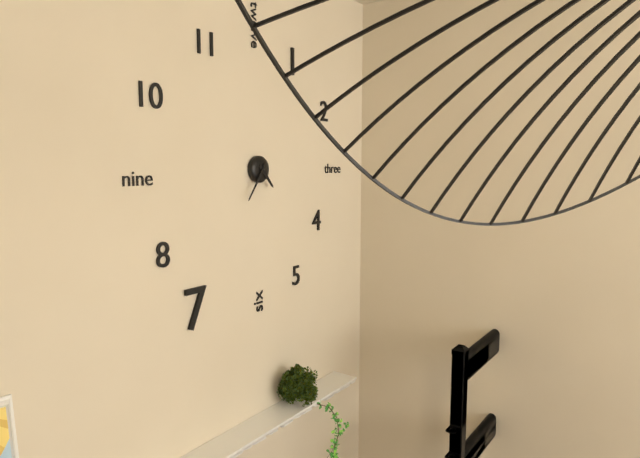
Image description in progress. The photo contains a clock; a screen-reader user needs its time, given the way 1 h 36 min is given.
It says 4 h 36 min
